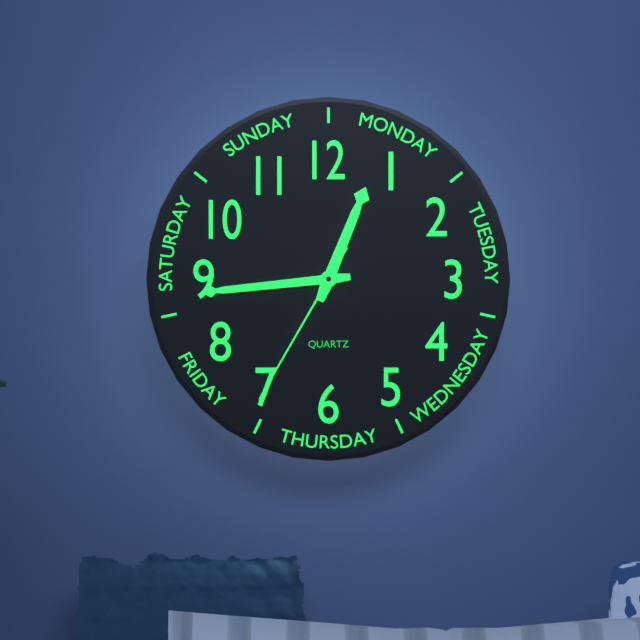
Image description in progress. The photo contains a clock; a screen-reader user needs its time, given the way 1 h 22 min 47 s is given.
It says 12 h 44 min 35 s
